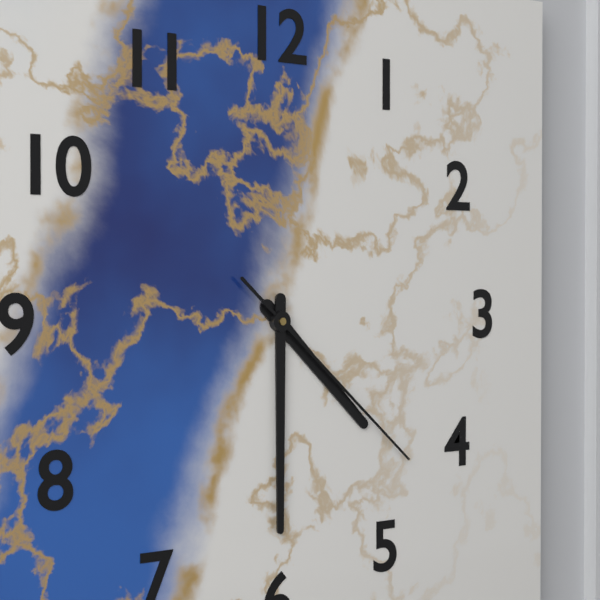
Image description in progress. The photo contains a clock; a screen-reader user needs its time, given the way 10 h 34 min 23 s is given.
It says 4 h 30 min 22 s
